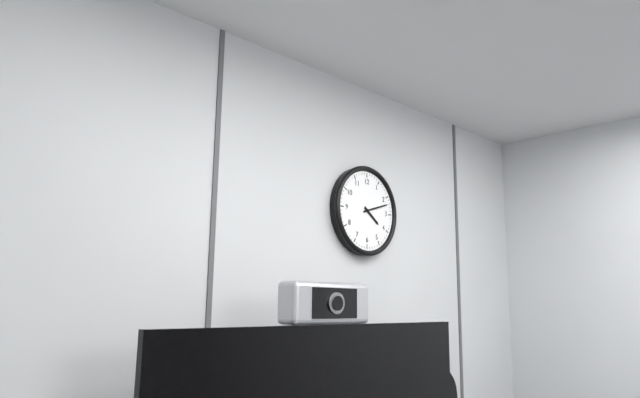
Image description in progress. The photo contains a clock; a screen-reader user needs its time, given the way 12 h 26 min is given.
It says 4 h 12 min
